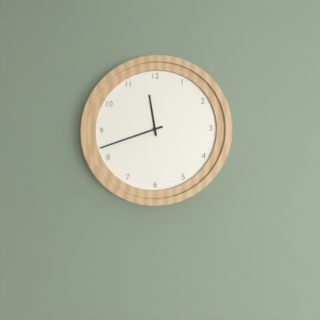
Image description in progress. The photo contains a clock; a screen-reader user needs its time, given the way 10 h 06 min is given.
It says 11 h 42 min
